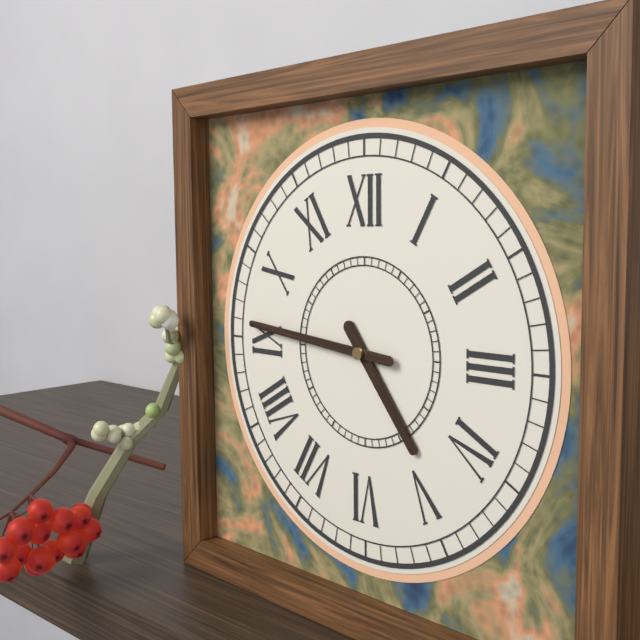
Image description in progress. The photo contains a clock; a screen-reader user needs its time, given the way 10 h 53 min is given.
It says 4 h 46 min
